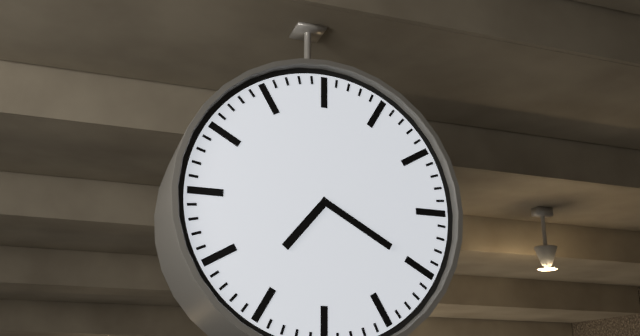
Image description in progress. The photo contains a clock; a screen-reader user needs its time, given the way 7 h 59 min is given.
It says 7 h 20 min
